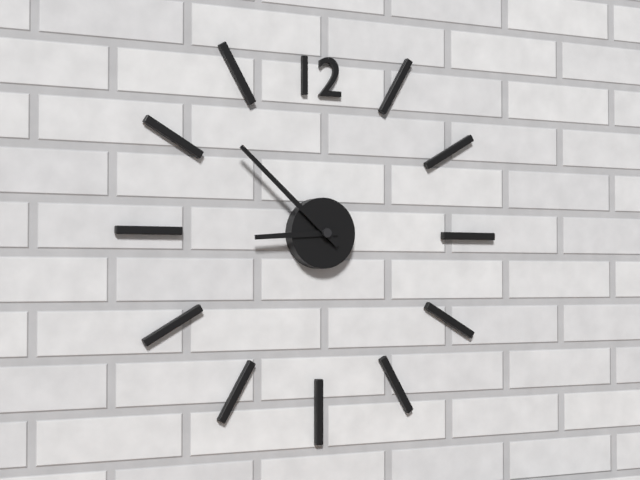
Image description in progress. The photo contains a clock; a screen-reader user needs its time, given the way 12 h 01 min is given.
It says 8 h 52 min
